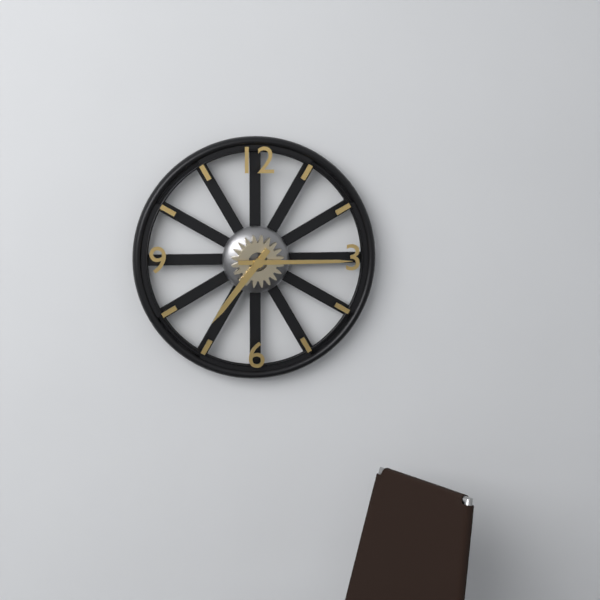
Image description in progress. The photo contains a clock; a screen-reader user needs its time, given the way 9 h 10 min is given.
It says 7 h 15 min
